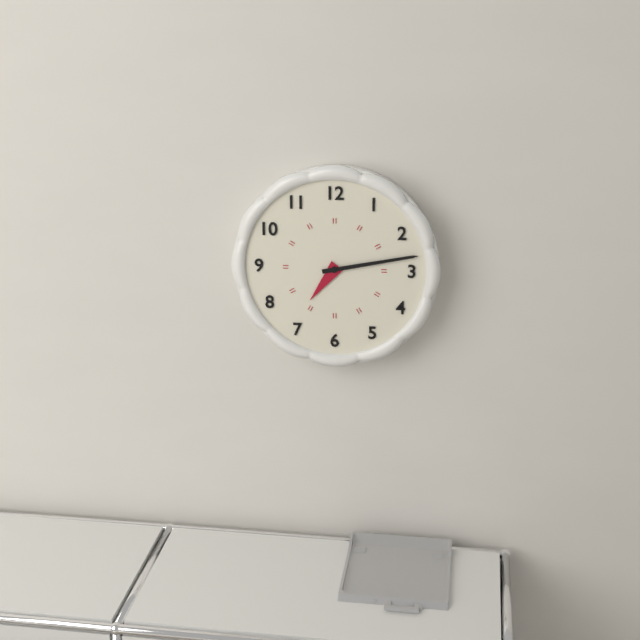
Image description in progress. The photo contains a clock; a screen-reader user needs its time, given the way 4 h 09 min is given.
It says 7 h 13 min
